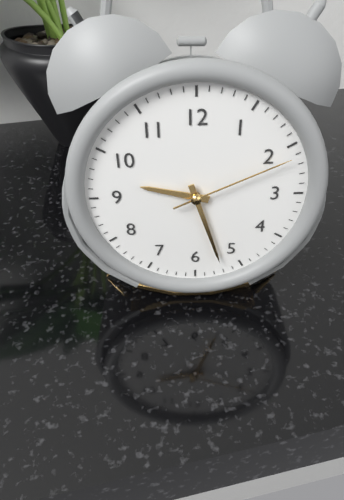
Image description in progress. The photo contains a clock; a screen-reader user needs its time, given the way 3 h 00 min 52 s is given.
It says 9 h 27 min 11 s
